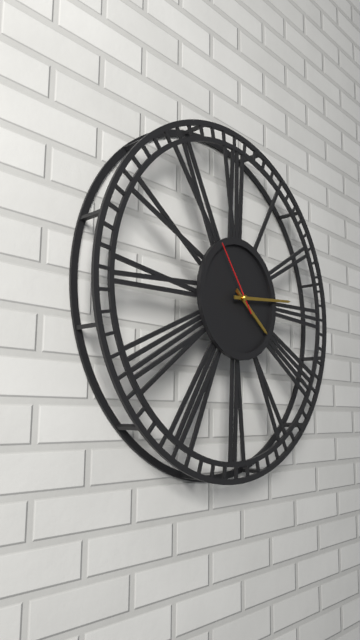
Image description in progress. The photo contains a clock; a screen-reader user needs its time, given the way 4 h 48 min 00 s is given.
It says 4 h 14 min 54 s
